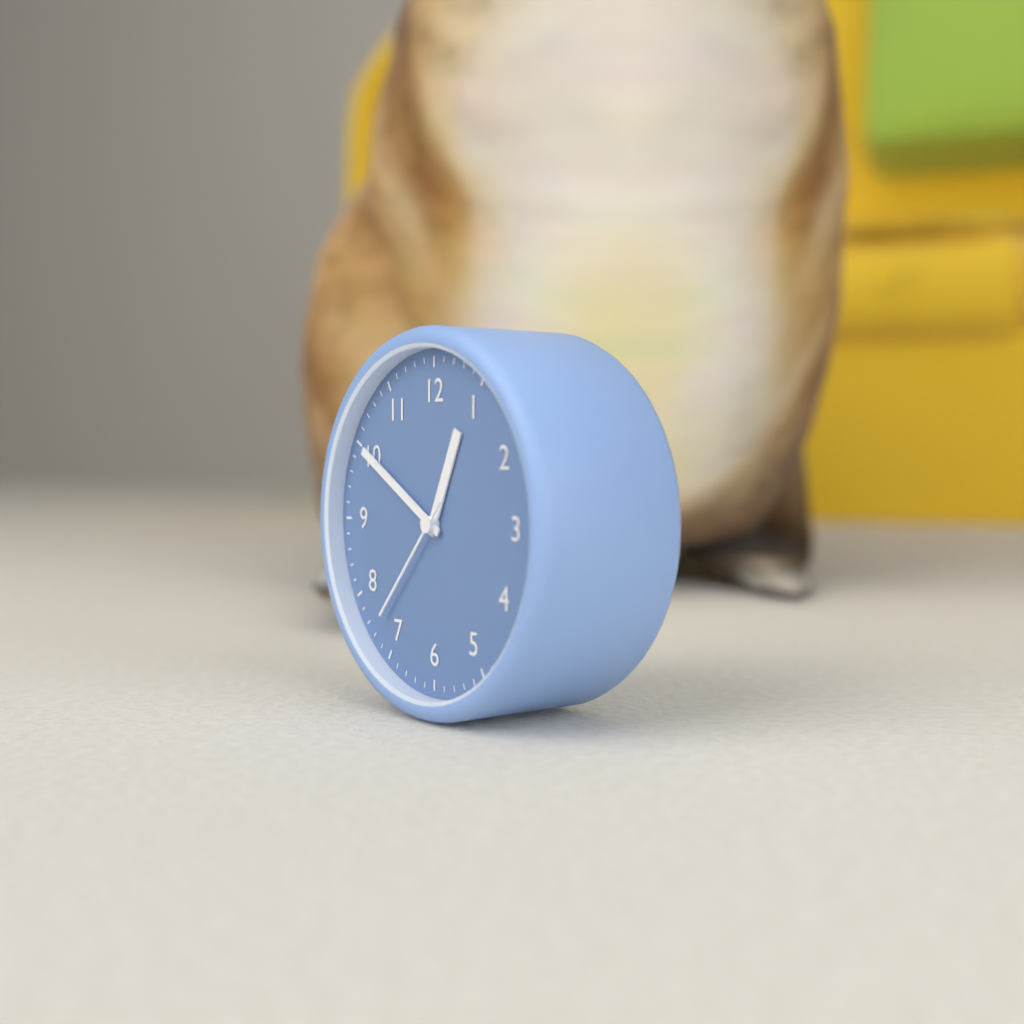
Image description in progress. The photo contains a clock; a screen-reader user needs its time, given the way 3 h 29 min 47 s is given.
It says 12 h 50 min 37 s
